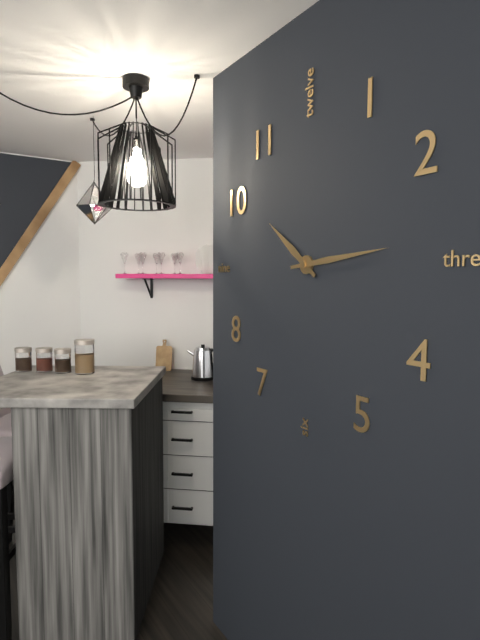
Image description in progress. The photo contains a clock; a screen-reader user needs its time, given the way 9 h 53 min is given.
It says 10 h 14 min
